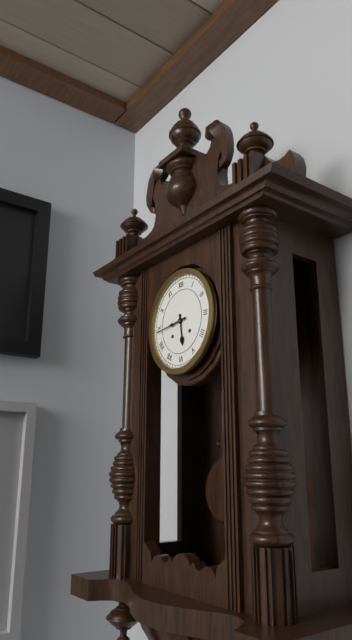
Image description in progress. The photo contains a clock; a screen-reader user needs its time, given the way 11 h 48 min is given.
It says 5 h 44 min
